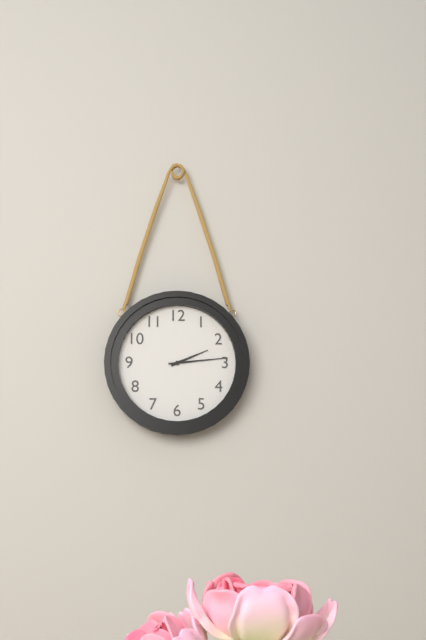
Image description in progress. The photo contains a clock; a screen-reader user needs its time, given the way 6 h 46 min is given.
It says 2 h 14 min
